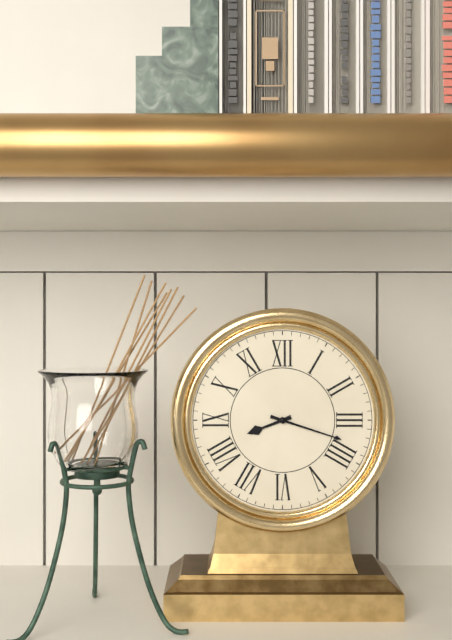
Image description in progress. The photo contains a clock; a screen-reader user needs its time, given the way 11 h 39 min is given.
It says 8 h 18 min
